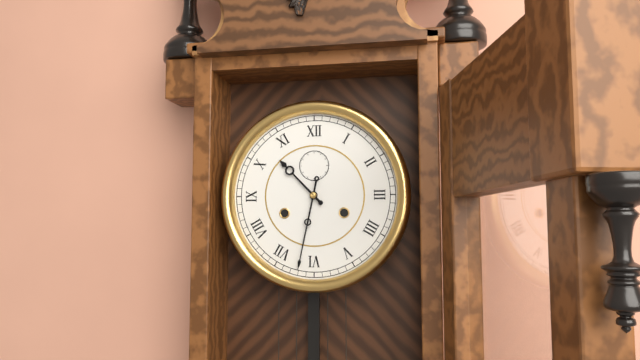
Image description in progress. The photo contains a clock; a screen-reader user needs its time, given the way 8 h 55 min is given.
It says 10 h 32 min
